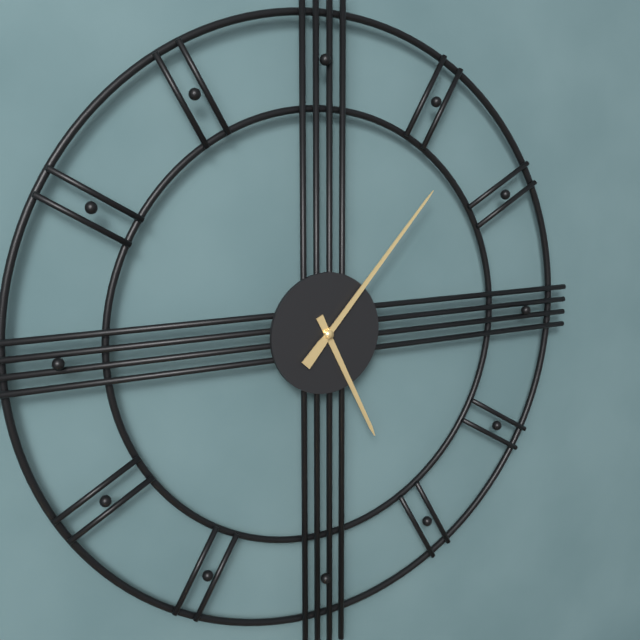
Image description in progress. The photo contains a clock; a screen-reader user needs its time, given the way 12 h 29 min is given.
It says 5 h 07 min
